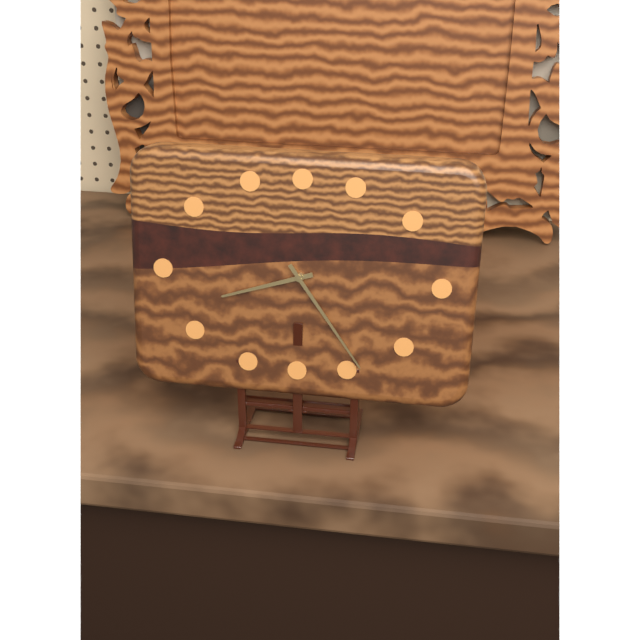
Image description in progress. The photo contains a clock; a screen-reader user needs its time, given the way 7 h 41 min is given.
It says 8 h 24 min
